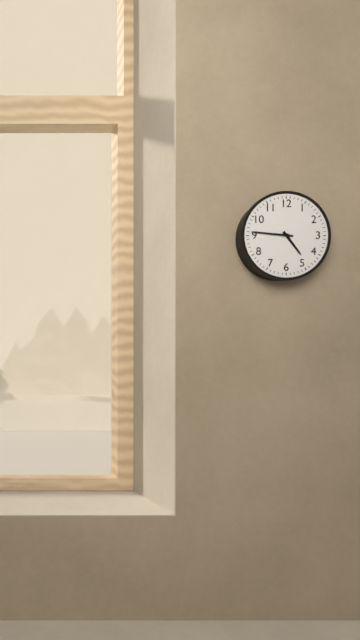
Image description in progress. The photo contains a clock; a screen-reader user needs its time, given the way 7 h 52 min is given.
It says 4 h 46 min
